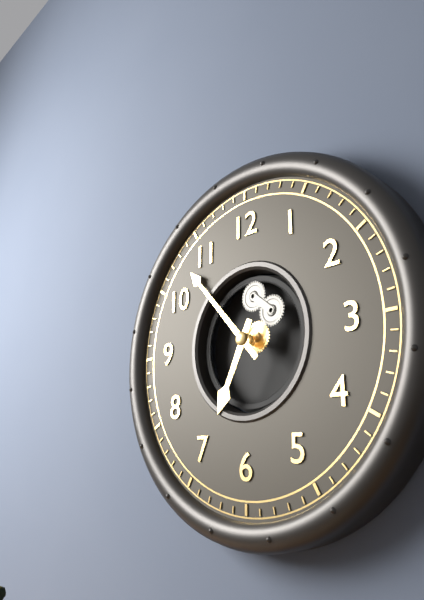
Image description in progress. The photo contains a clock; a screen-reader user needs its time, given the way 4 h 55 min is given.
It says 6 h 53 min
